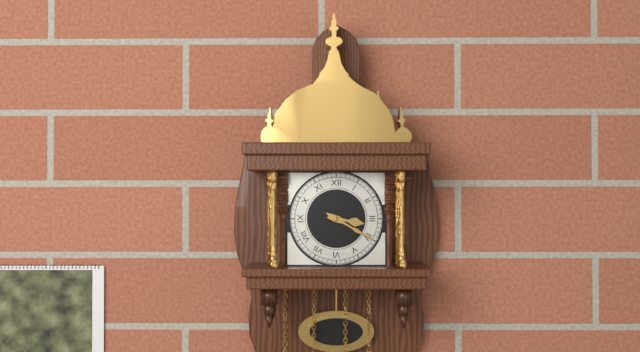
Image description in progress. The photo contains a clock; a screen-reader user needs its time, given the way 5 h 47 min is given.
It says 3 h 20 min
